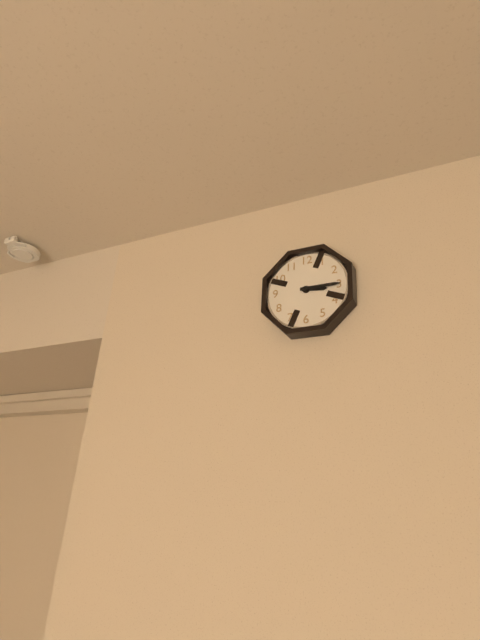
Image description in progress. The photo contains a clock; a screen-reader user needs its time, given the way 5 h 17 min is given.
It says 3 h 15 min
